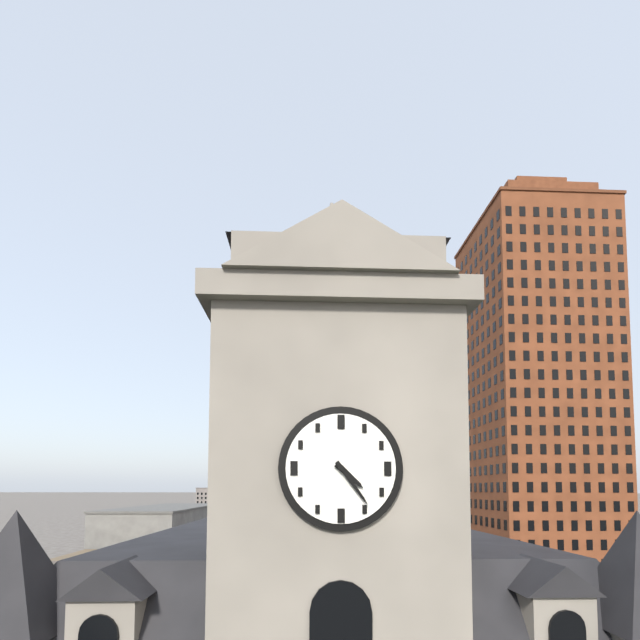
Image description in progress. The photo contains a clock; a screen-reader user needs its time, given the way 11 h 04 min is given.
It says 4 h 24 min
